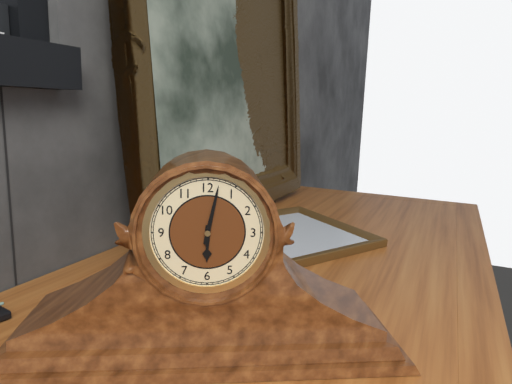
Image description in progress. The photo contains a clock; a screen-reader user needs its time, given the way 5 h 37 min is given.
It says 6 h 02 min
